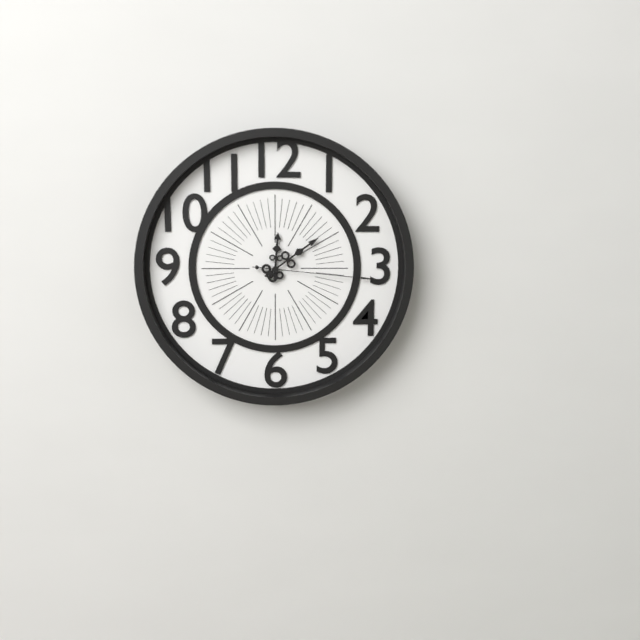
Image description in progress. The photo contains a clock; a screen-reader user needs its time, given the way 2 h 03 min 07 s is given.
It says 12 h 09 min 16 s
